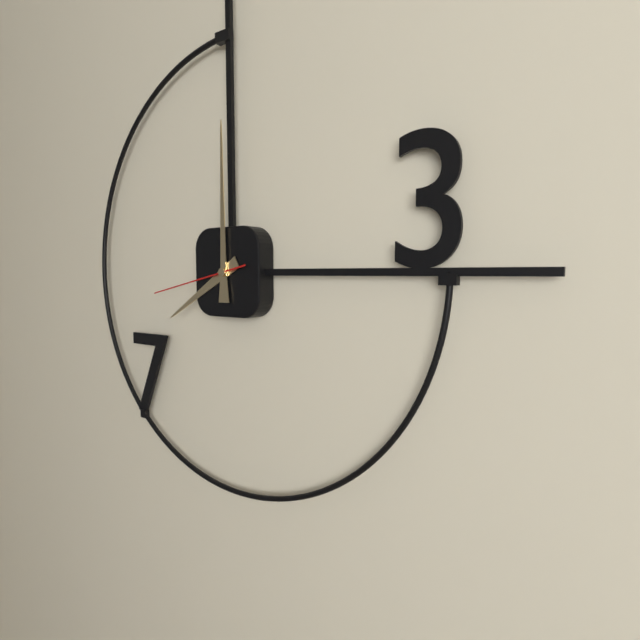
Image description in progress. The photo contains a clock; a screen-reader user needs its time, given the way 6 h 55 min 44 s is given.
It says 8 h 00 min 43 s
